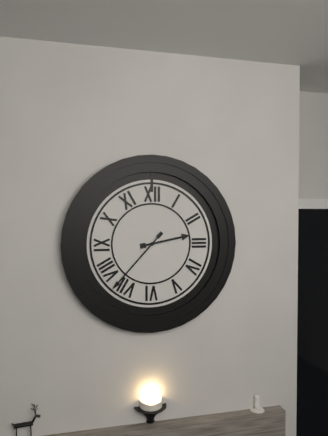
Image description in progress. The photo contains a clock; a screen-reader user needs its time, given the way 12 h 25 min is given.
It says 2 h 37 min
